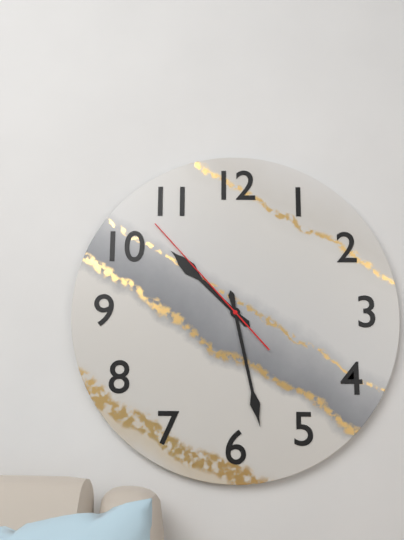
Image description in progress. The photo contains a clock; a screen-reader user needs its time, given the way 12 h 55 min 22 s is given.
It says 10 h 28 min 53 s
